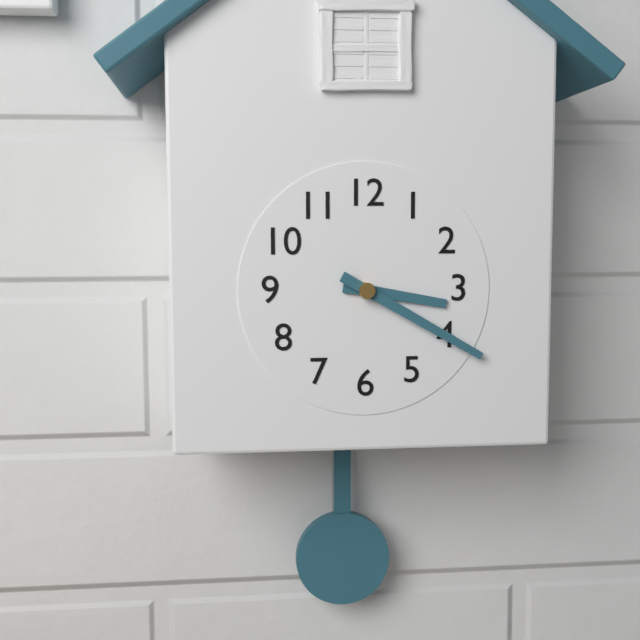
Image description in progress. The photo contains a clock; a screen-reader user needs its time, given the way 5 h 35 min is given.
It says 3 h 20 min
